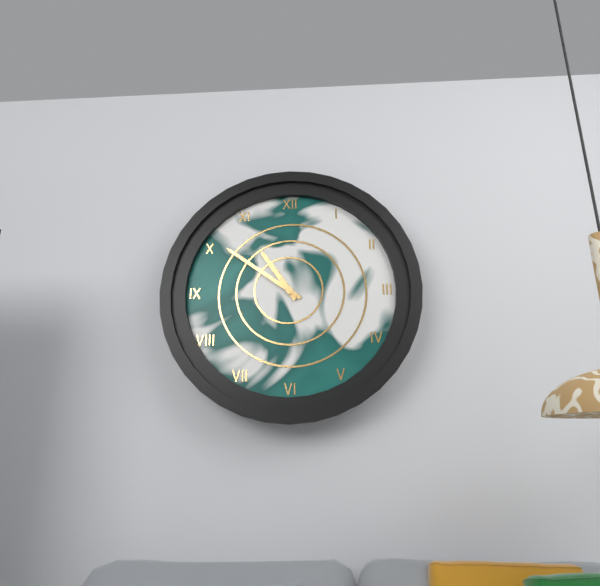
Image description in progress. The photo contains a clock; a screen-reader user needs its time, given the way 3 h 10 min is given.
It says 10 h 51 min
